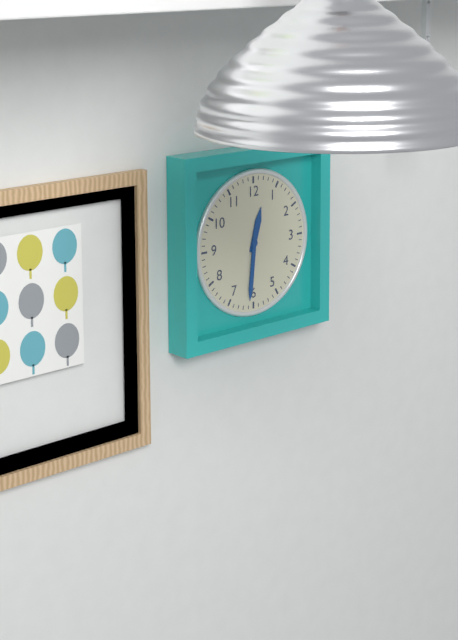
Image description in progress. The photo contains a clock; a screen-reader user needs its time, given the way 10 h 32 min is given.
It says 12 h 31 min
